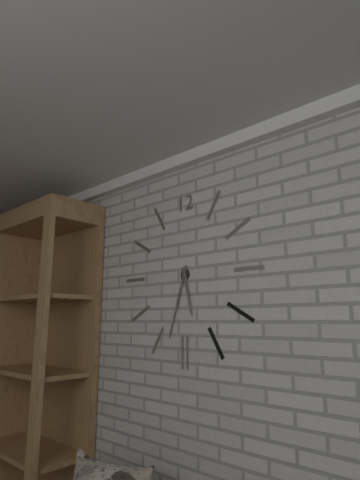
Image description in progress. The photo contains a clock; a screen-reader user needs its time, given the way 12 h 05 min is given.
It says 5 h 33 min
